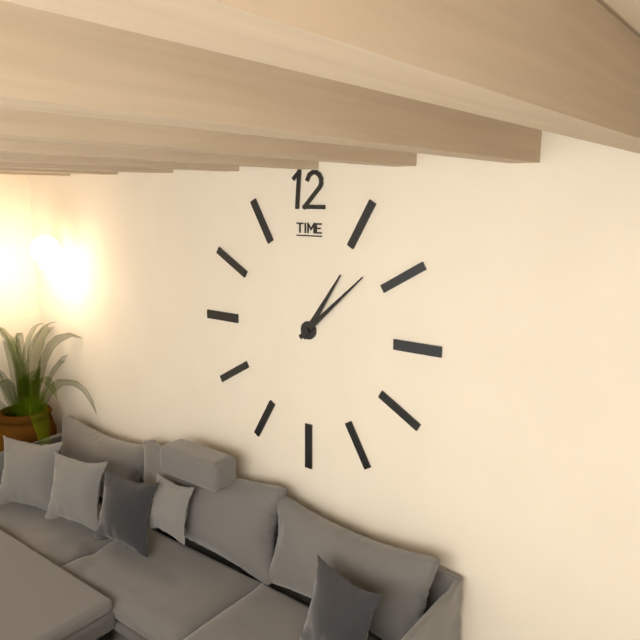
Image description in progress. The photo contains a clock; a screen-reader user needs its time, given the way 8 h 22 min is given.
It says 1 h 08 min
